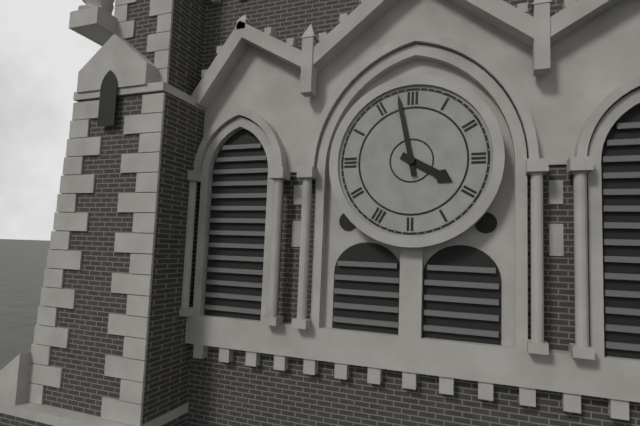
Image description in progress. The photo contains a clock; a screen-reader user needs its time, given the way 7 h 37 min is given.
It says 3 h 58 min
